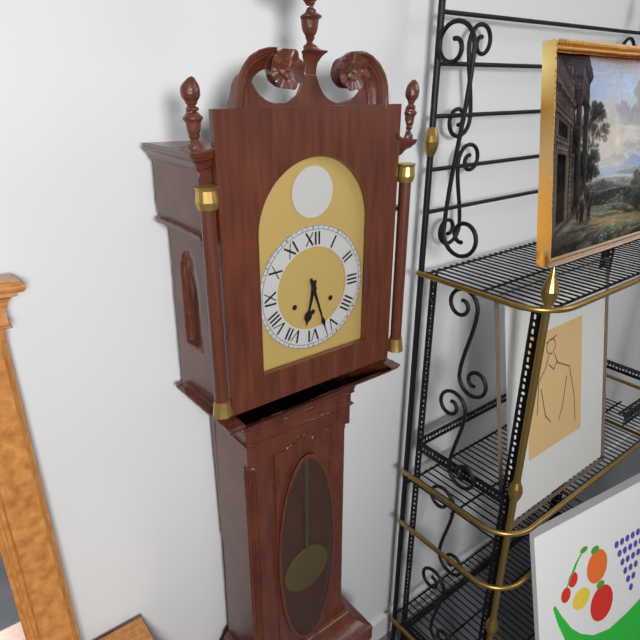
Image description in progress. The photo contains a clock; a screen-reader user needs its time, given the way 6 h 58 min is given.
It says 6 h 27 min
